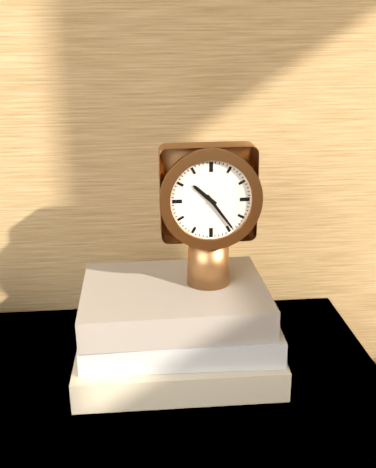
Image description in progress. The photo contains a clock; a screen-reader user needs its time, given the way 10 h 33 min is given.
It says 10 h 24 min
